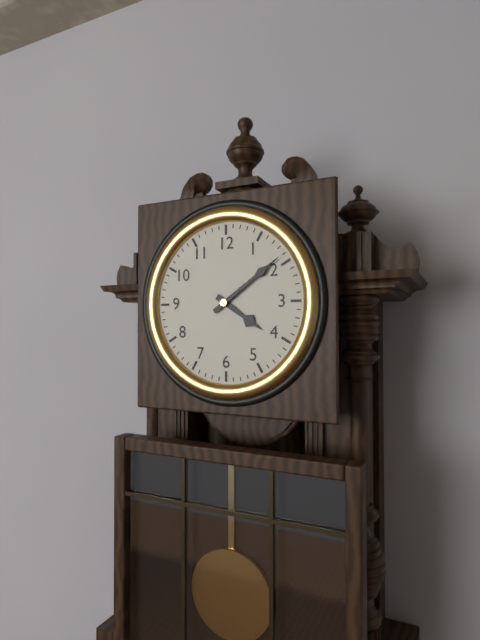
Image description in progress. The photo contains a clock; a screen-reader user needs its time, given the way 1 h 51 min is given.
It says 4 h 09 min
